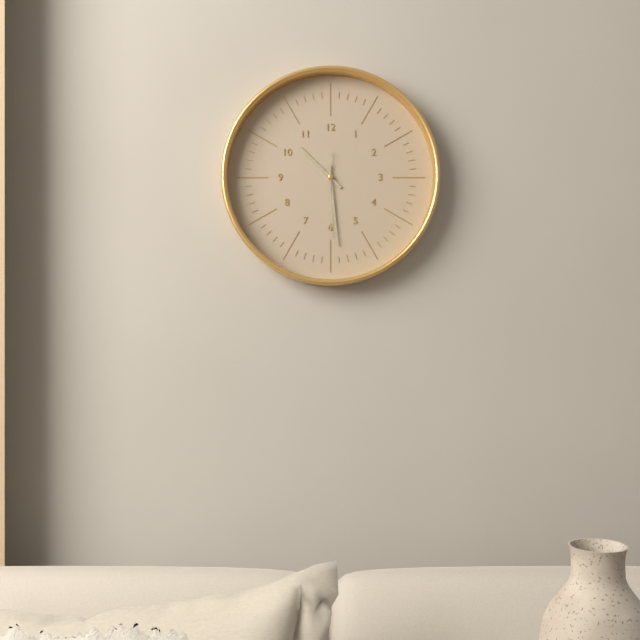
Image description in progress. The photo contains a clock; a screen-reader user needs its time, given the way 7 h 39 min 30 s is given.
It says 10 h 29 min 30 s
